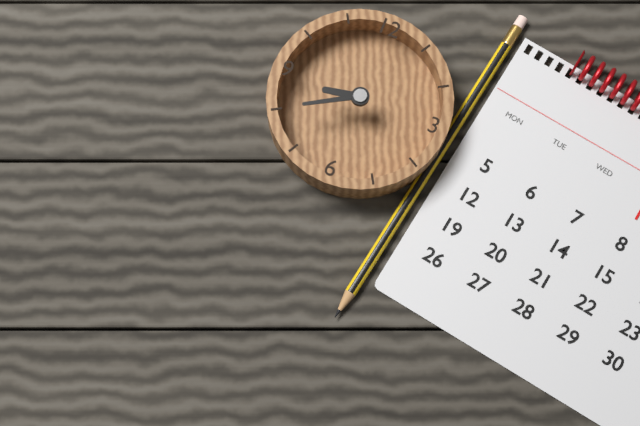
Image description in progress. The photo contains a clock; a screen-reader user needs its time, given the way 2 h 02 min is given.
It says 8 h 40 min
